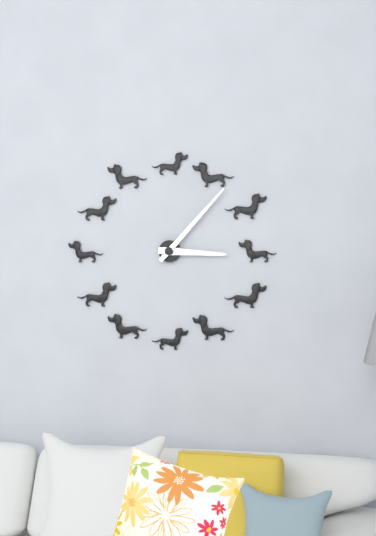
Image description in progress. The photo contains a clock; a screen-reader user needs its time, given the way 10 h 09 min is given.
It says 3 h 07 min
